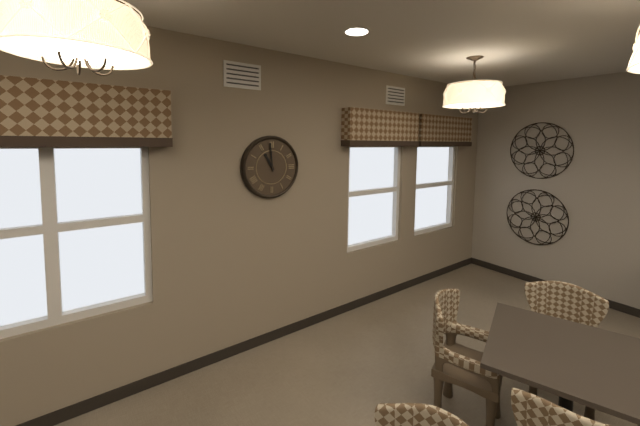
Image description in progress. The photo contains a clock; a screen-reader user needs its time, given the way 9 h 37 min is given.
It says 10 h 59 min
